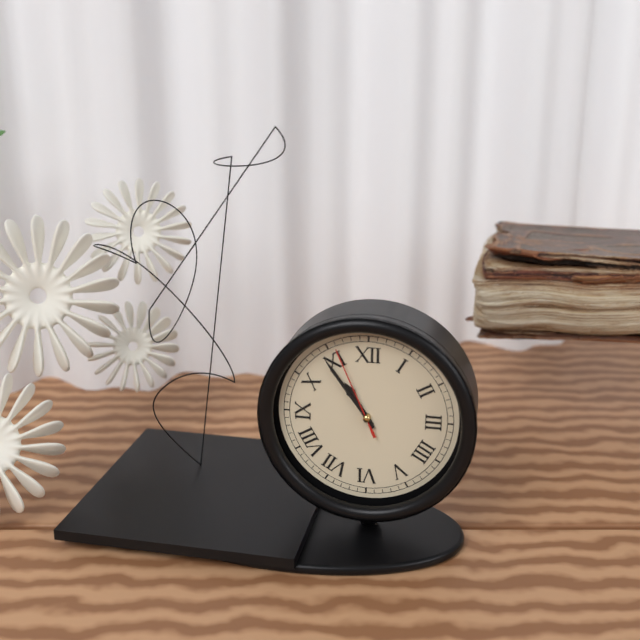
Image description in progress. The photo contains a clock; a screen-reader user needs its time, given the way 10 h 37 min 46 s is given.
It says 10 h 54 min 56 s
